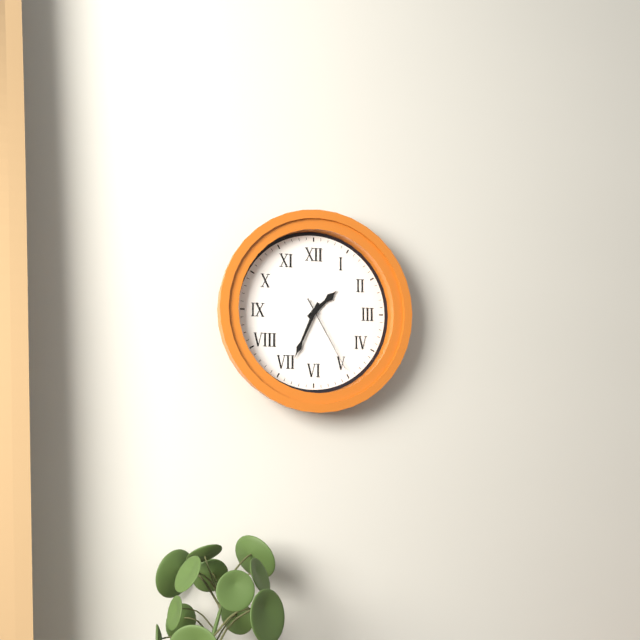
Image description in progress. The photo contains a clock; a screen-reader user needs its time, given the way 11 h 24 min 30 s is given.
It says 1 h 34 min 25 s
